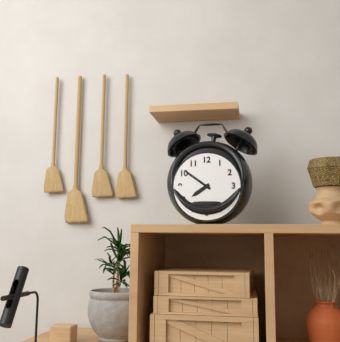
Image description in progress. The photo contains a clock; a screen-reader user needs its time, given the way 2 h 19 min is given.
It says 7 h 51 min
